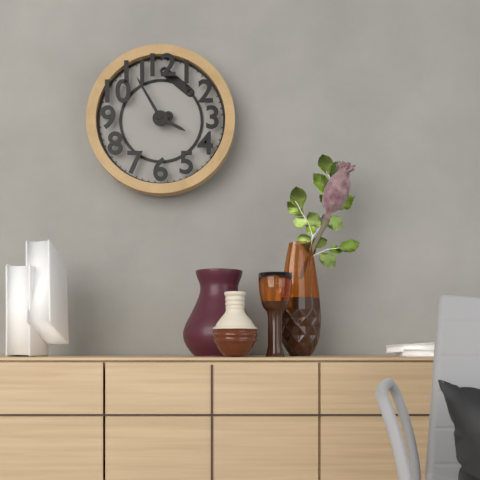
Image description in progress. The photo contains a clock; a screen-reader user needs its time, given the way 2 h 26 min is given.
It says 3 h 55 min
